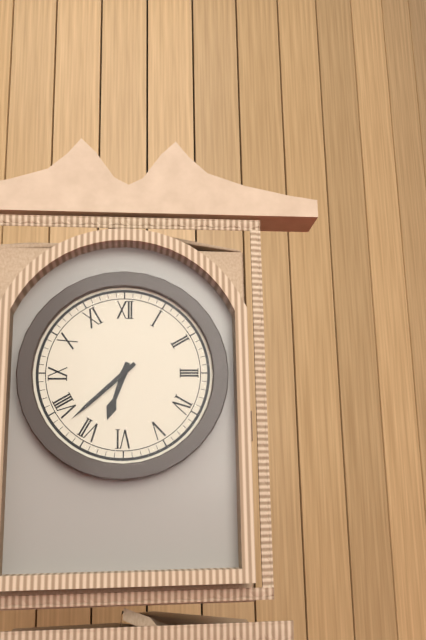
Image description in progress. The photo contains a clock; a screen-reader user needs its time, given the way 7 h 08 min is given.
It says 6 h 38 min
